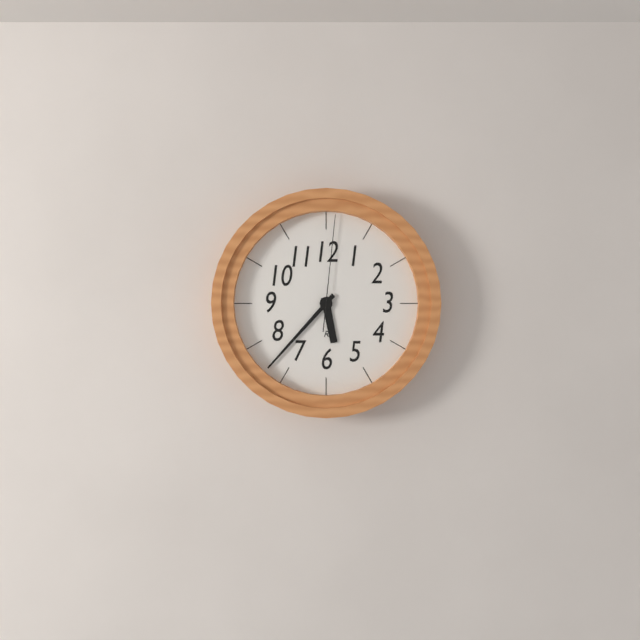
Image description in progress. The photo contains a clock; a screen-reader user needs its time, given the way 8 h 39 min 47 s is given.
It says 5 h 37 min 01 s
